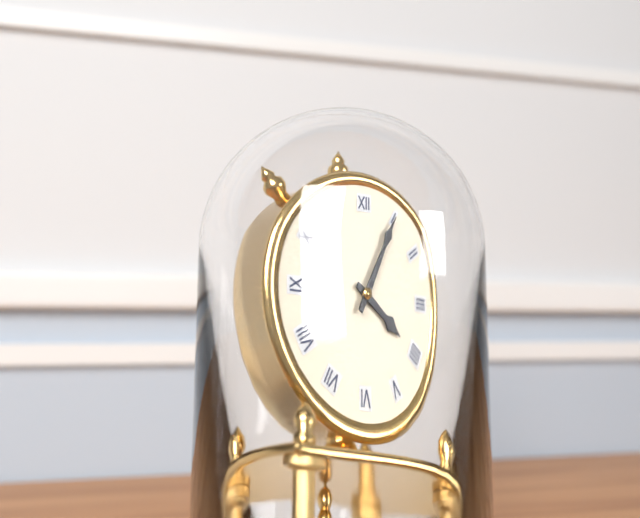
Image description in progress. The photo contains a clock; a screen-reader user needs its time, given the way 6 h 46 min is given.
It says 4 h 05 min
